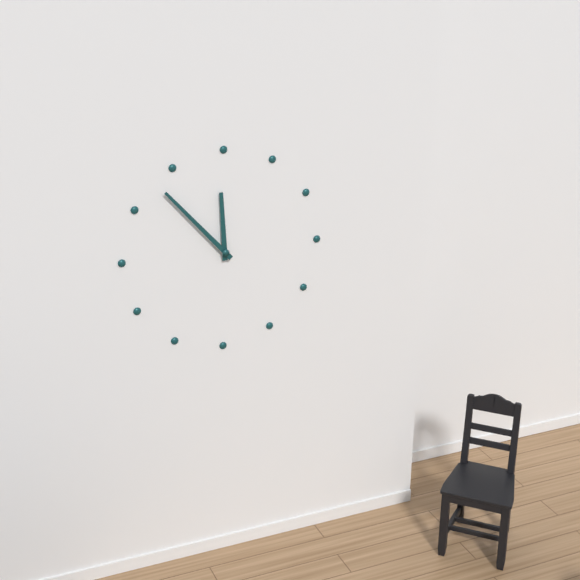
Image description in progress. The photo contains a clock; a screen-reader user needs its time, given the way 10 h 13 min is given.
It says 11 h 53 min
